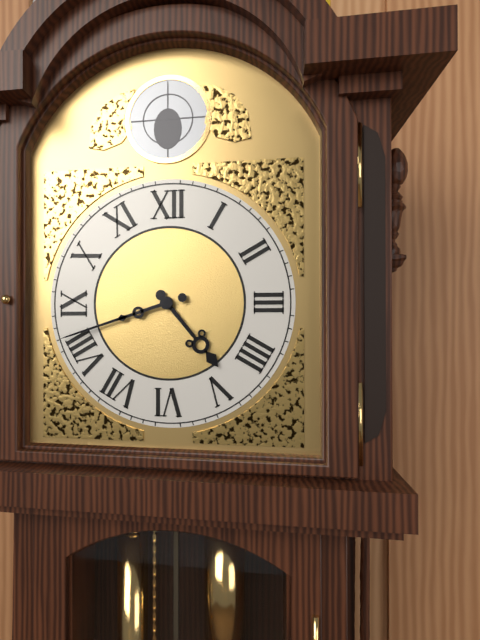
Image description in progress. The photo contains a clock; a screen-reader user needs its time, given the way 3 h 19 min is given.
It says 4 h 42 min
